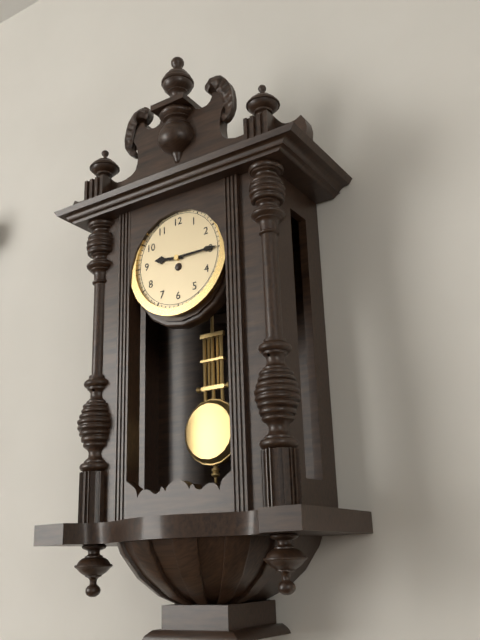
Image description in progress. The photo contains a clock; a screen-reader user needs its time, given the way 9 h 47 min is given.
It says 9 h 15 min
